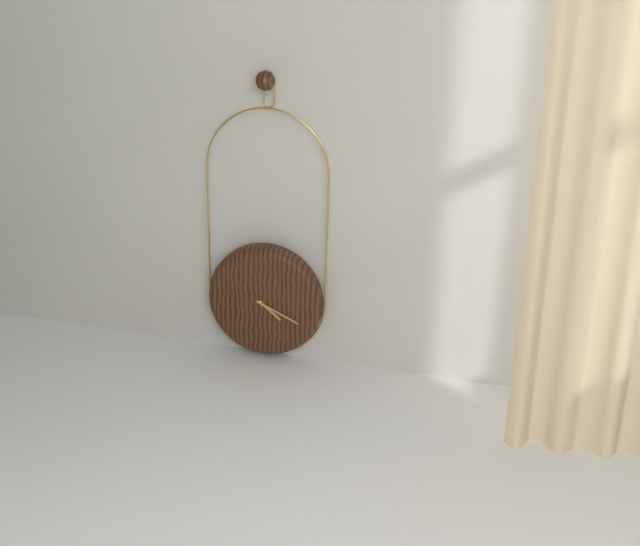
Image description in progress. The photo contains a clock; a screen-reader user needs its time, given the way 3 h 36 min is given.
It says 4 h 19 min
